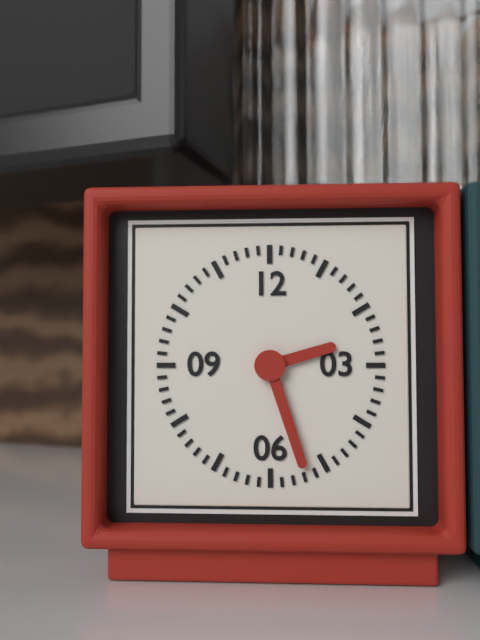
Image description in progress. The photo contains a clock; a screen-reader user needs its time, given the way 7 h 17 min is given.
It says 2 h 27 min
